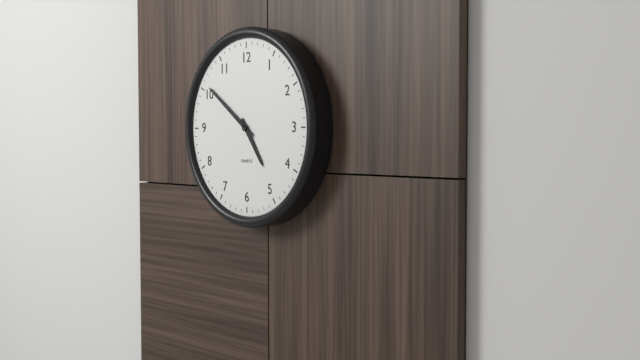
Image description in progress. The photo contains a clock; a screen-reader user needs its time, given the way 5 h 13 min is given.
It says 4 h 51 min
